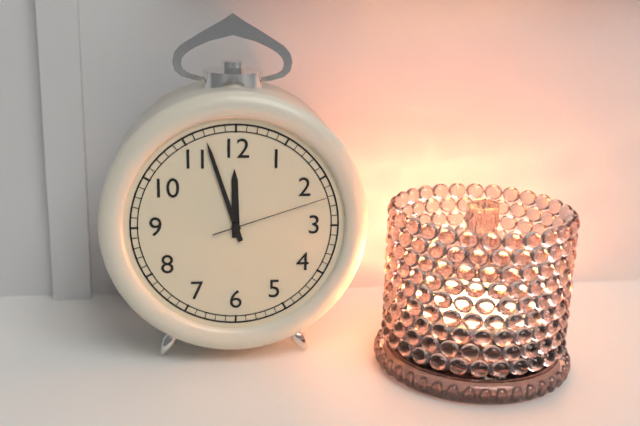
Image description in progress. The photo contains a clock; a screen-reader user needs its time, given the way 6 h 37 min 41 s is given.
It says 11 h 57 min 12 s
